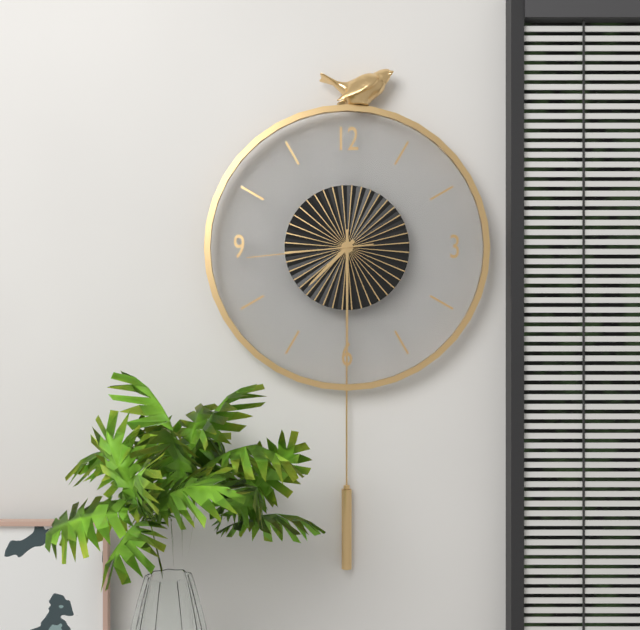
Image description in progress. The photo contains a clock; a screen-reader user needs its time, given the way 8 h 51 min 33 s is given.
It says 7 h 30 min 44 s
